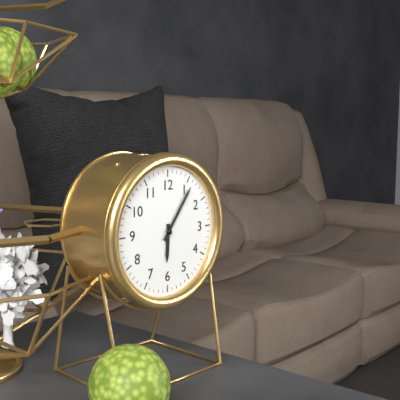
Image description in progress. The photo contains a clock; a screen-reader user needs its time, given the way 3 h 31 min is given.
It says 6 h 06 min
